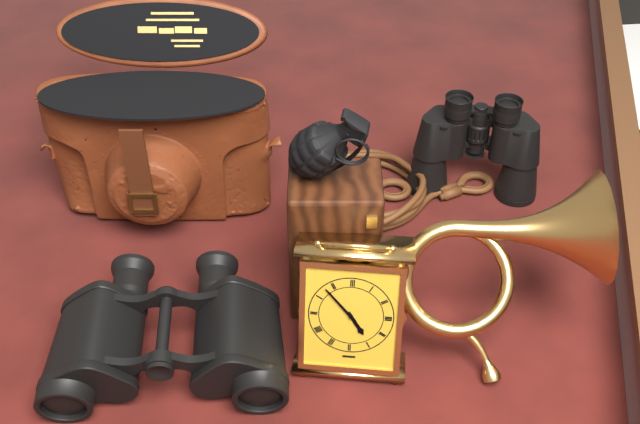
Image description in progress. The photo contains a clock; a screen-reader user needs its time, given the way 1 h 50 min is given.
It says 4 h 53 min
